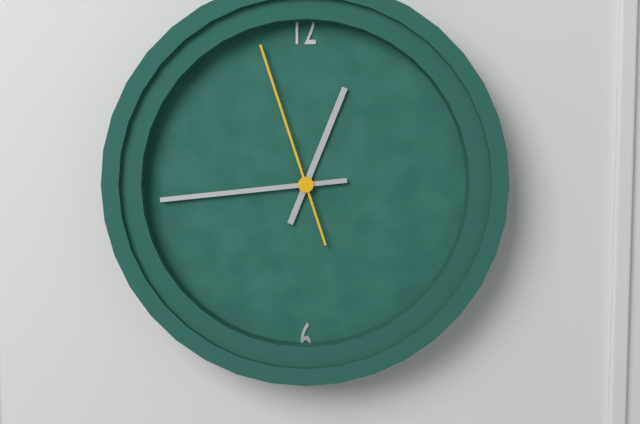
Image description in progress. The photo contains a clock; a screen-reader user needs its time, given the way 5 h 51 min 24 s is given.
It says 12 h 44 min 57 s
